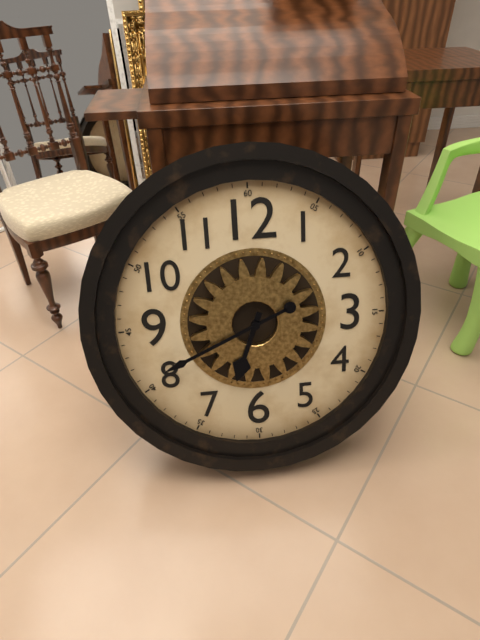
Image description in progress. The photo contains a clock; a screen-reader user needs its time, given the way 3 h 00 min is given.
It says 6 h 41 min
